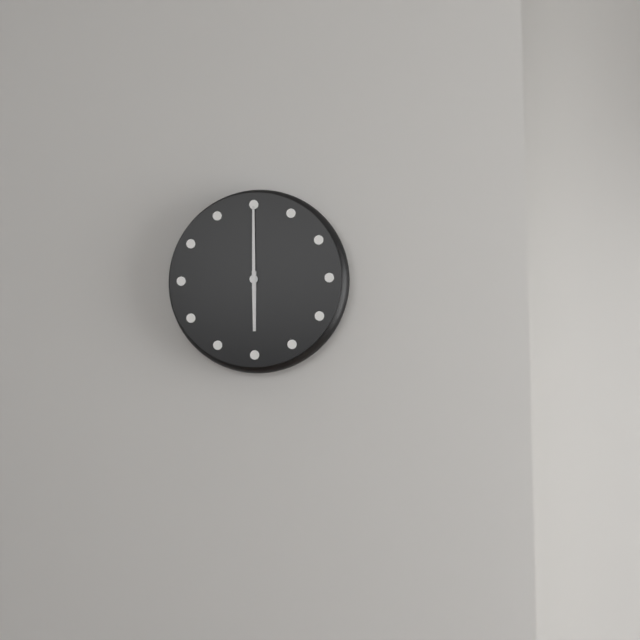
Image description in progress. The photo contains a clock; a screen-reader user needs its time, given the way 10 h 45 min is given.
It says 6 h 00 min
